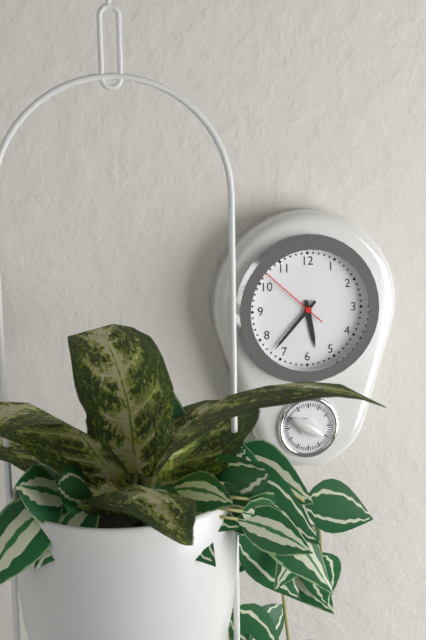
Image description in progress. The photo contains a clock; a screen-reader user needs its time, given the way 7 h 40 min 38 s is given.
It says 5 h 37 min 52 s
